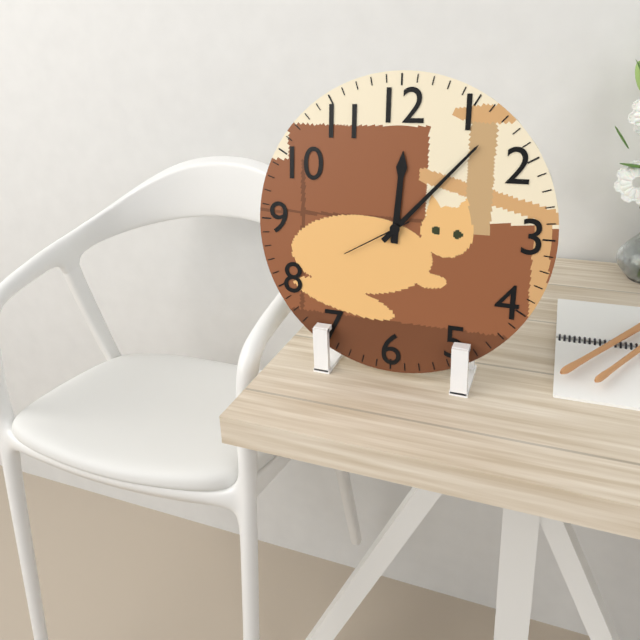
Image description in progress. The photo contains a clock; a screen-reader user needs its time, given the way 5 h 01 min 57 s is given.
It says 12 h 07 min 40 s
